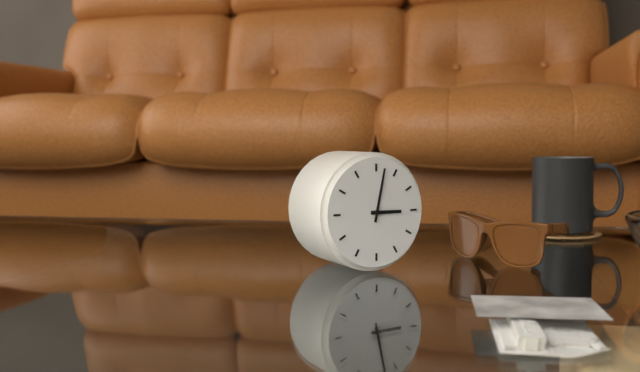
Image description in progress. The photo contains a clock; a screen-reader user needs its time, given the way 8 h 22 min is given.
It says 3 h 02 min
